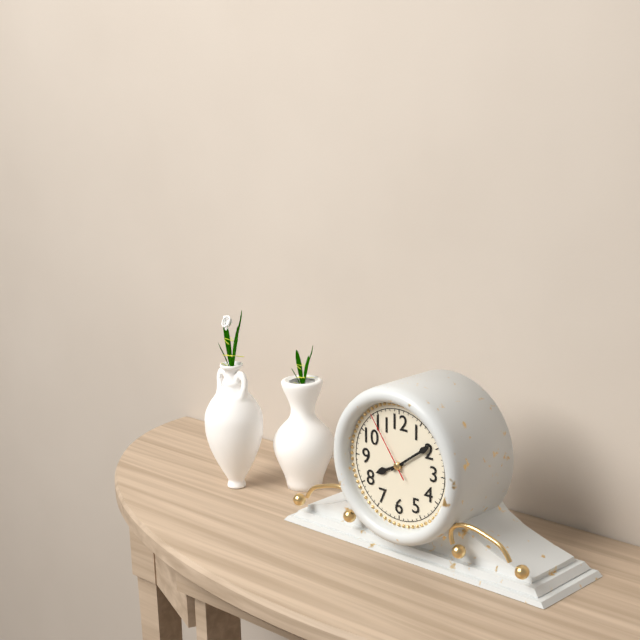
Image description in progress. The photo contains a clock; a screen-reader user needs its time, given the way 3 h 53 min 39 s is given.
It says 8 h 09 min 54 s
